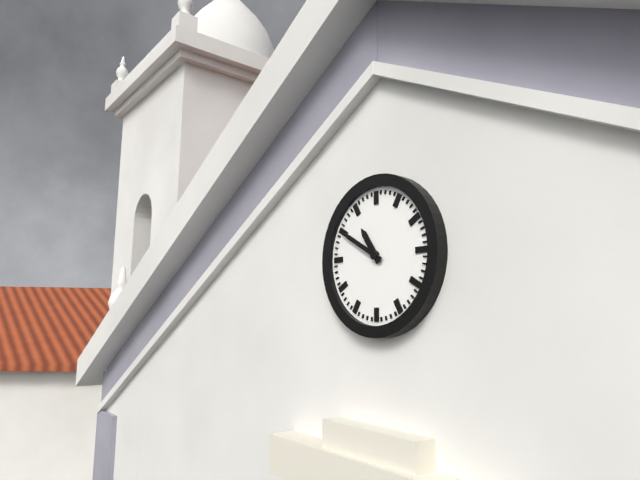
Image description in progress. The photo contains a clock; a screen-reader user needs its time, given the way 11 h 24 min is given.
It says 10 h 50 min
